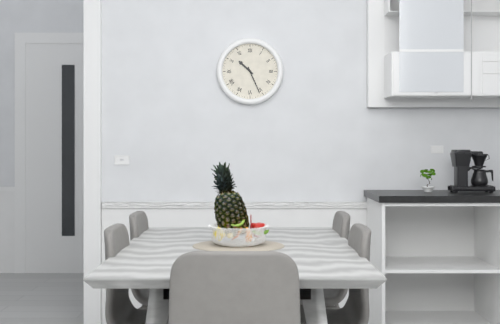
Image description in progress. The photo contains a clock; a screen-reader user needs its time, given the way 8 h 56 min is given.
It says 10 h 26 min
